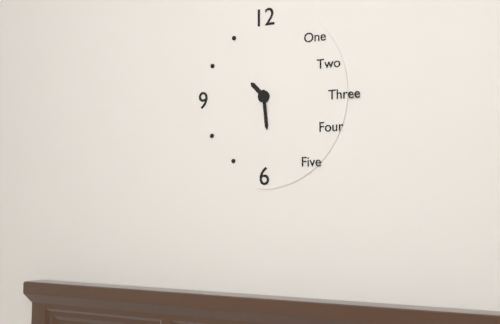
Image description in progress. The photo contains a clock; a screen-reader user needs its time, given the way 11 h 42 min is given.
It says 10 h 29 min
